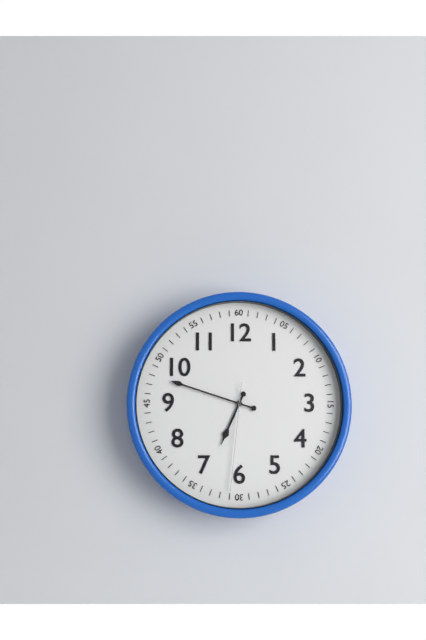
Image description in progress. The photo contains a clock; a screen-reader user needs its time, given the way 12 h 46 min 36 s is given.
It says 6 h 48 min 31 s
